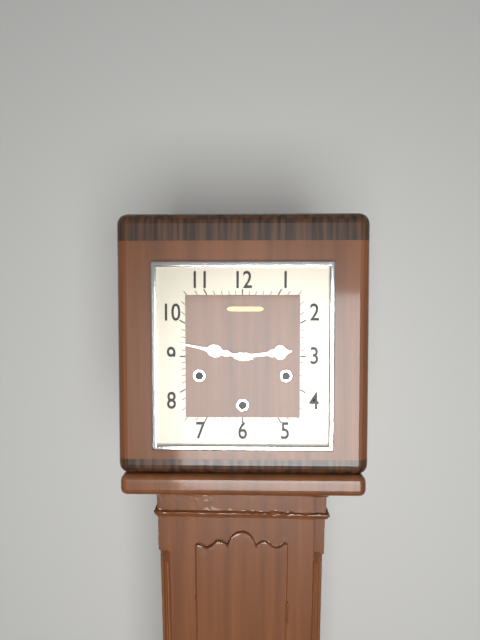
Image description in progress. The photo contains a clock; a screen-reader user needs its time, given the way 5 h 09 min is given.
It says 2 h 47 min
